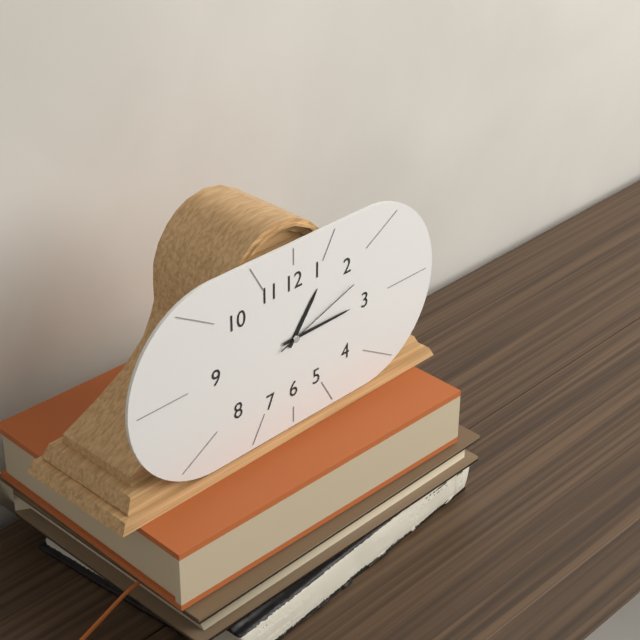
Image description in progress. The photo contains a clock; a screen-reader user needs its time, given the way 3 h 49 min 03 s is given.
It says 1 h 15 min 12 s
